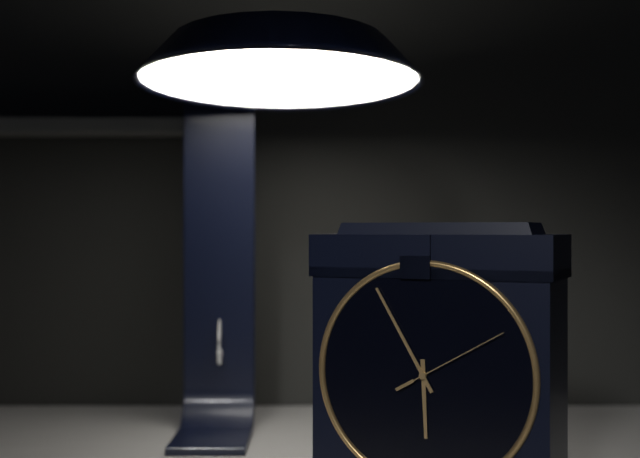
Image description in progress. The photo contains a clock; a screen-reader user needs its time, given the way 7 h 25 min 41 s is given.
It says 5 h 55 min 10 s
